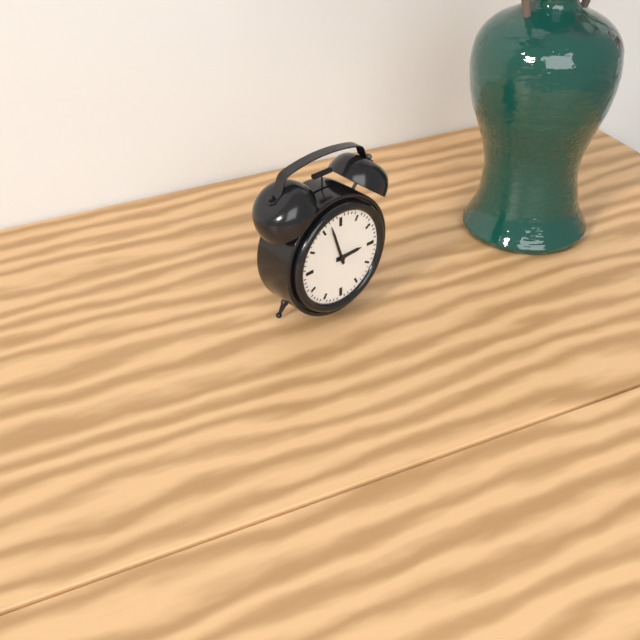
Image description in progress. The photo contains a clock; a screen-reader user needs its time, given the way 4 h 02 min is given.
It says 2 h 57 min
